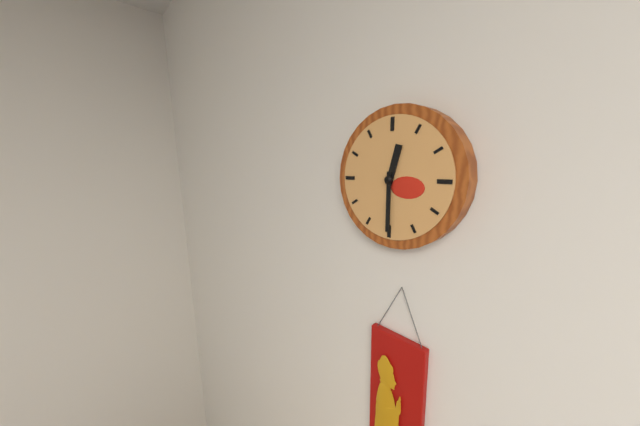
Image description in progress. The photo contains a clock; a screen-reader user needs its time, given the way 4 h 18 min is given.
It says 12 h 30 min
